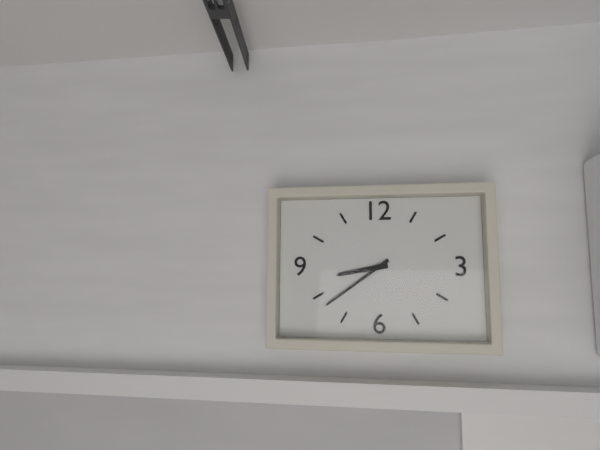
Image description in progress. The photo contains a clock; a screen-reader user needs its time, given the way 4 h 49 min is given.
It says 8 h 39 min
